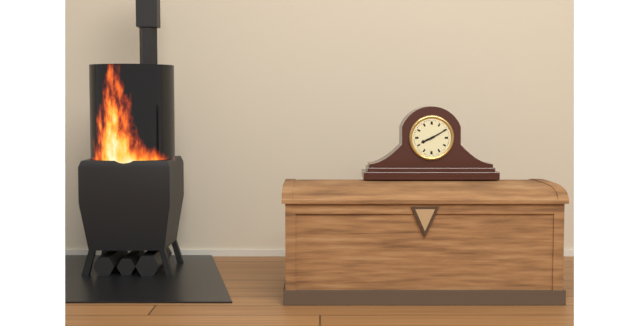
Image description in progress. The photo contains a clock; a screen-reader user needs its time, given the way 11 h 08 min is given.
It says 8 h 10 min
